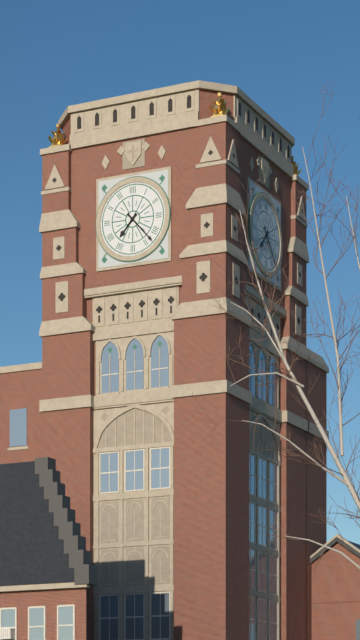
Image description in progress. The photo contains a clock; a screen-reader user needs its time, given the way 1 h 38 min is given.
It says 7 h 23 min
